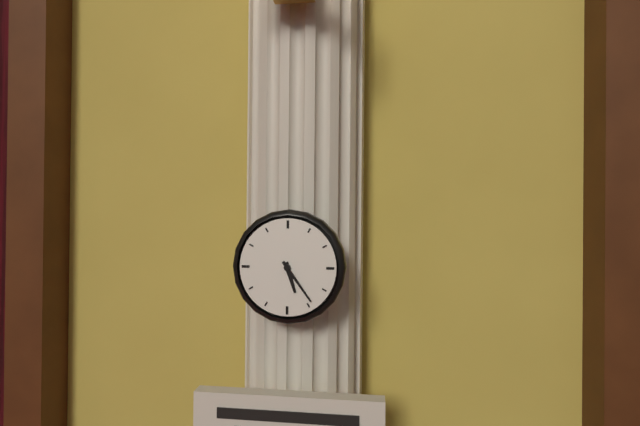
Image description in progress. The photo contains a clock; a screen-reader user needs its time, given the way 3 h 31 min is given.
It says 5 h 24 min
